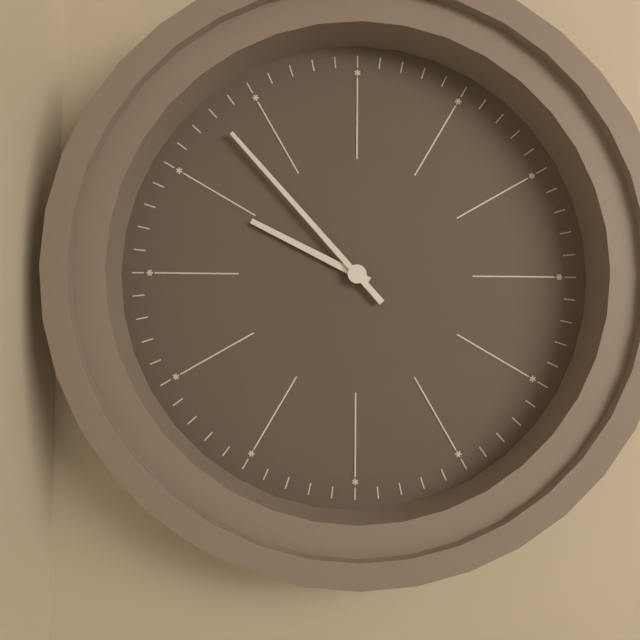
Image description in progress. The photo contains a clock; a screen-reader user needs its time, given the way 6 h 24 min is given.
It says 9 h 53 min
